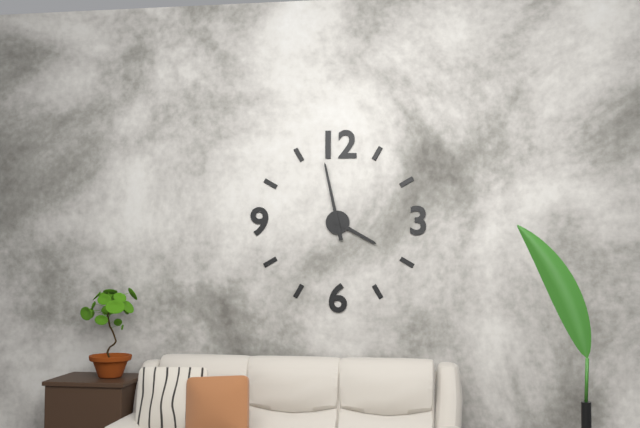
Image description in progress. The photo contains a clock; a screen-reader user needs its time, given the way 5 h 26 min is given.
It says 3 h 58 min
